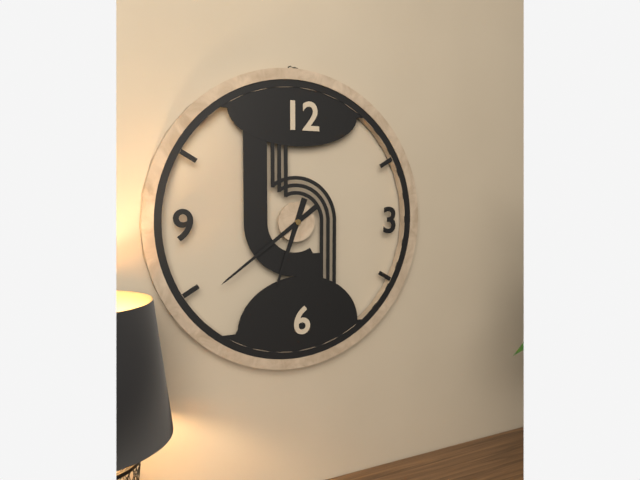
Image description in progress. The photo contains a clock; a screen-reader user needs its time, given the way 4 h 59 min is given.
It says 6 h 39 min
